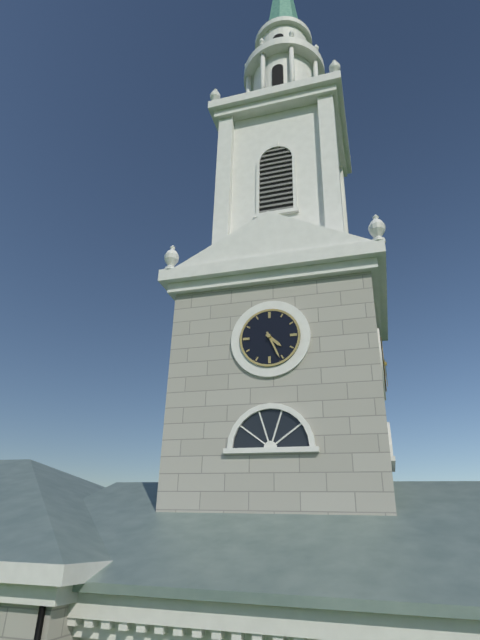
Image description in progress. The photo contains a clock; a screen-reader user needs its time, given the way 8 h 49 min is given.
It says 4 h 26 min
